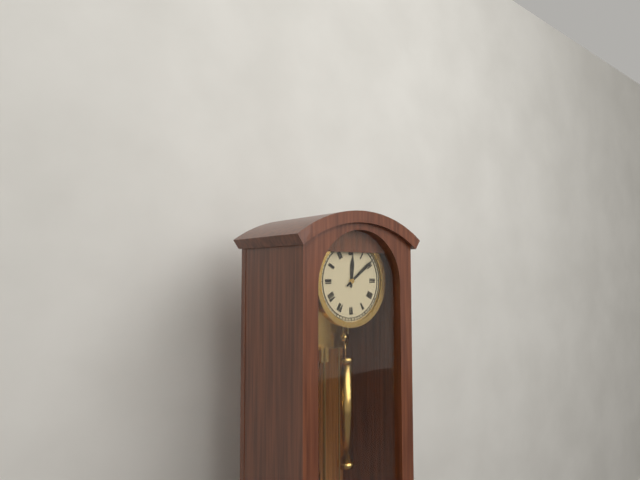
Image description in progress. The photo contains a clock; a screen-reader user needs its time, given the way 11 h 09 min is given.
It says 12 h 09 min
